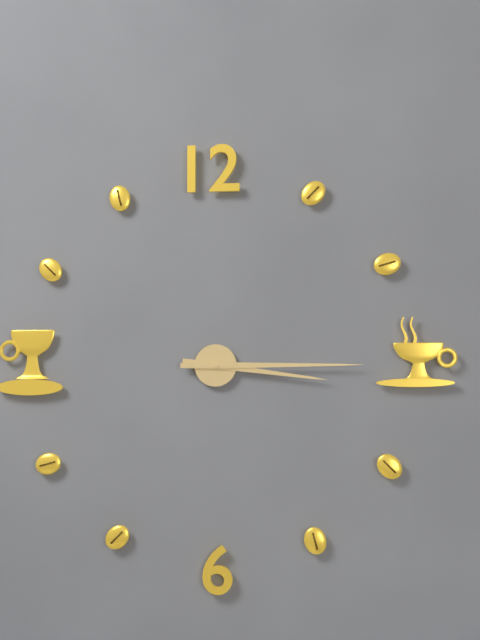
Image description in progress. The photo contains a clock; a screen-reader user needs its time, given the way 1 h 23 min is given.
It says 3 h 15 min
